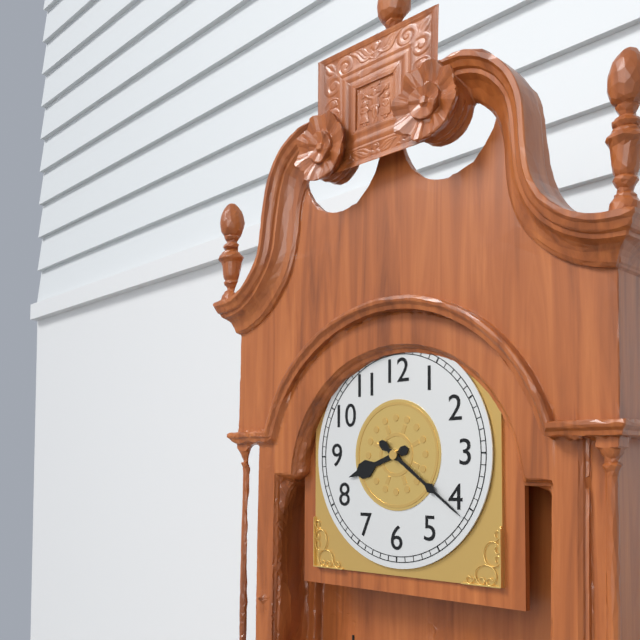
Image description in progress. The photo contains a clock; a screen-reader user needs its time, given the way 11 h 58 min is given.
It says 8 h 21 min
